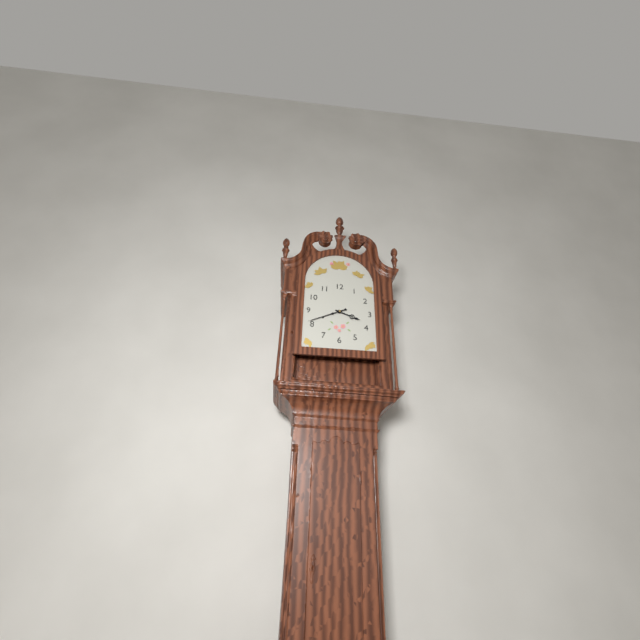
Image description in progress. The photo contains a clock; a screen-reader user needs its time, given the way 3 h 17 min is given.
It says 3 h 41 min
